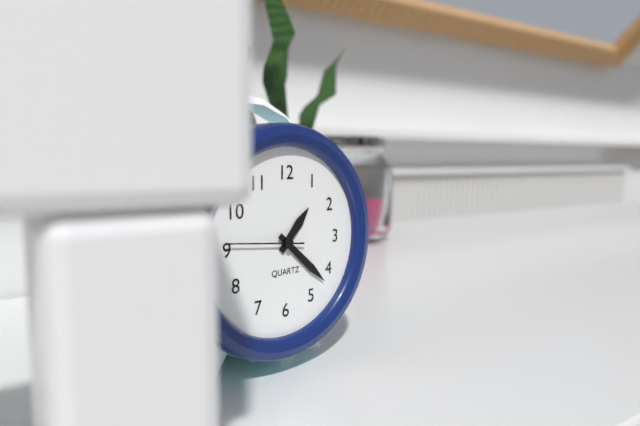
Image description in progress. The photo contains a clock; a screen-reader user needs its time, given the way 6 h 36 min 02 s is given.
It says 1 h 22 min 46 s
